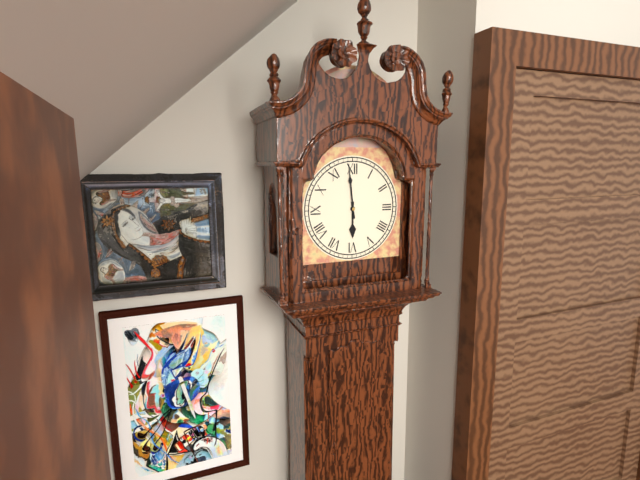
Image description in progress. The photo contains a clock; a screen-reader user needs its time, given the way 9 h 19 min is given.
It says 5 h 59 min
